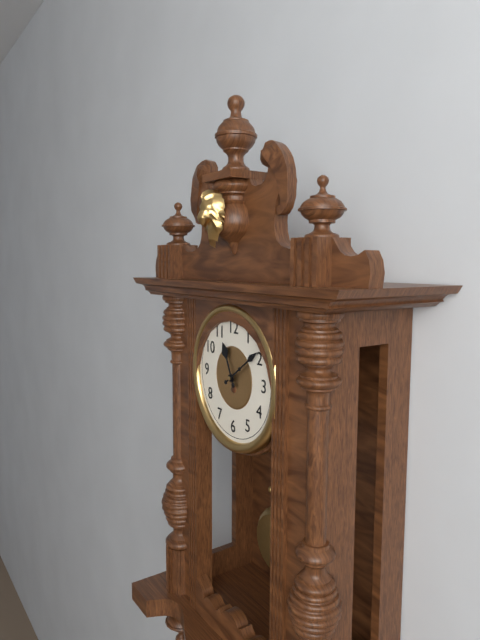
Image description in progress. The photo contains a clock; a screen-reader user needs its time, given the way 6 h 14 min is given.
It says 11 h 09 min
